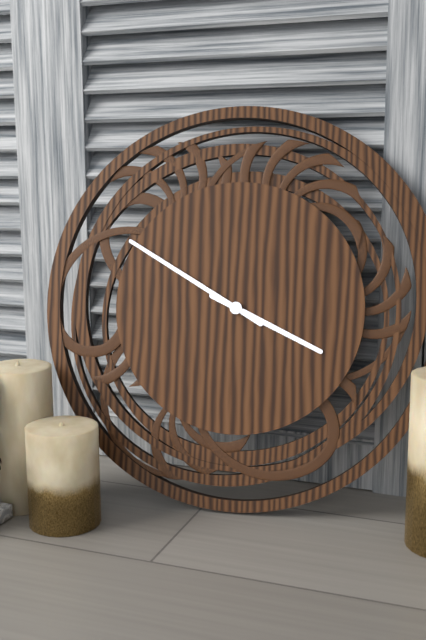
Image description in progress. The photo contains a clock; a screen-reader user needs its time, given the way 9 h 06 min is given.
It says 3 h 50 min
